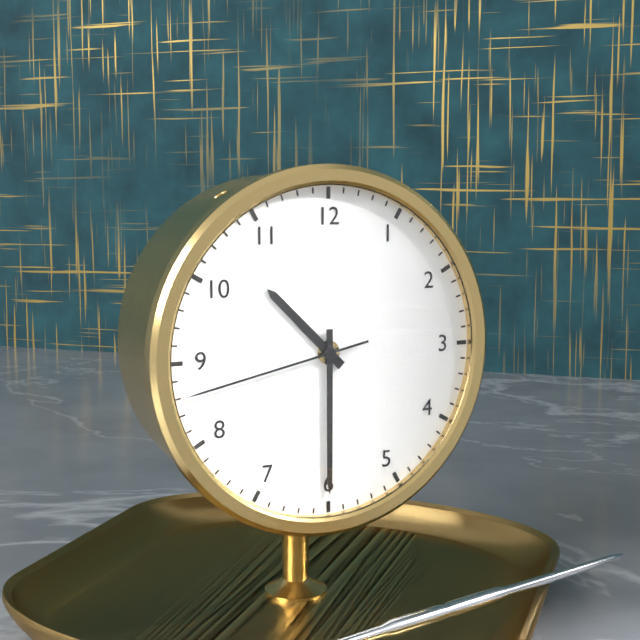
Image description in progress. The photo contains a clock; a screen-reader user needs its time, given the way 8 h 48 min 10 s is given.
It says 10 h 30 min 43 s
